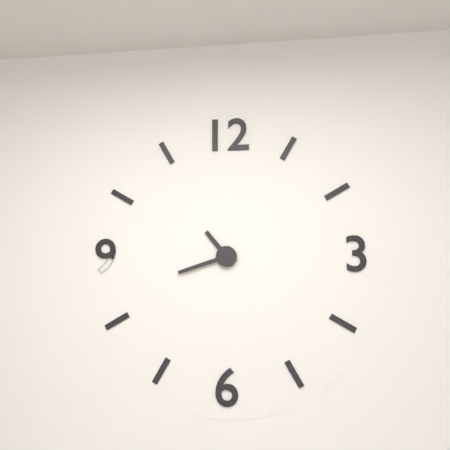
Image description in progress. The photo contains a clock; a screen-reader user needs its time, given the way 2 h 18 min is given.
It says 10 h 42 min
